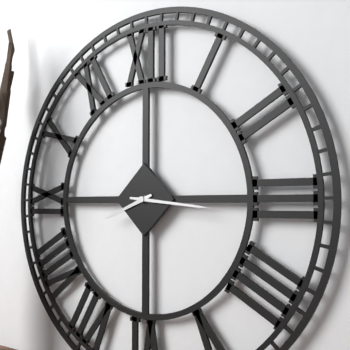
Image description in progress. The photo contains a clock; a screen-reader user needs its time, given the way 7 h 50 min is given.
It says 8 h 16 min
